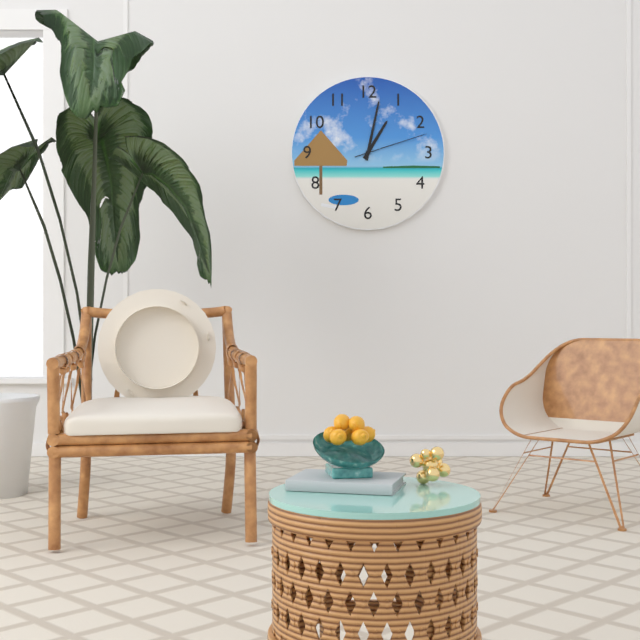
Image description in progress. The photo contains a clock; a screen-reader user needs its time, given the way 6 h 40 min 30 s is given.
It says 1 h 02 min 12 s
